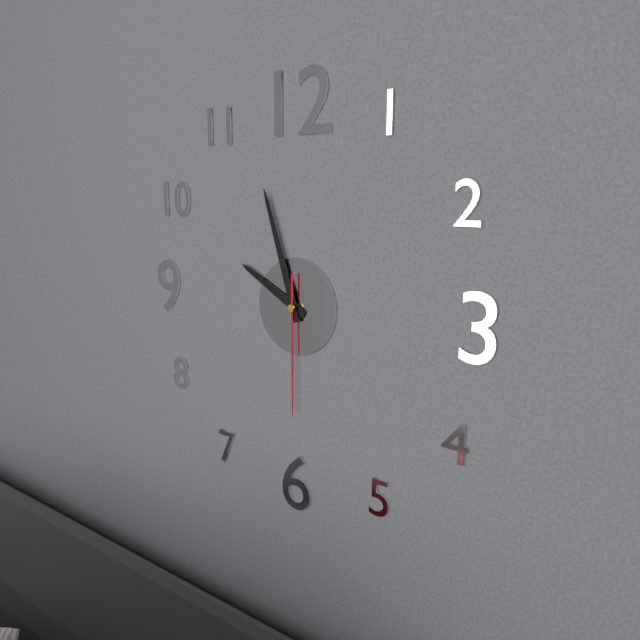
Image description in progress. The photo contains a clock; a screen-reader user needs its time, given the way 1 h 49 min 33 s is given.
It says 9 h 57 min 30 s
